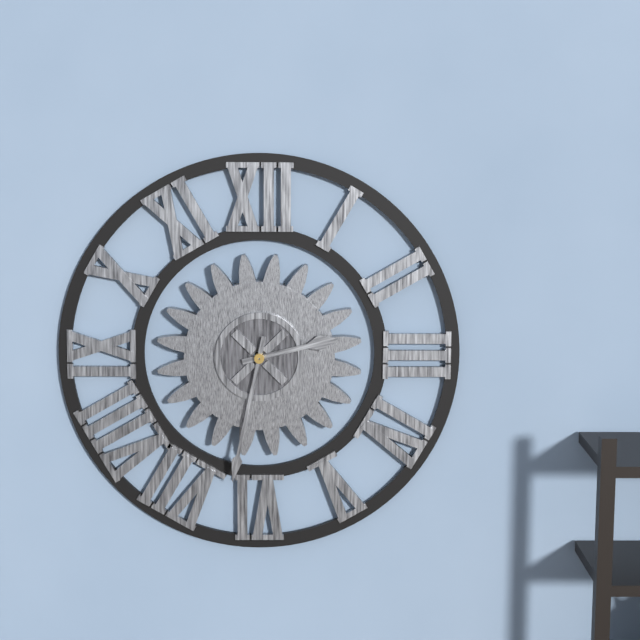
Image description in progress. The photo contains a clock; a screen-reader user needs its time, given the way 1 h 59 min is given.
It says 2 h 32 min
